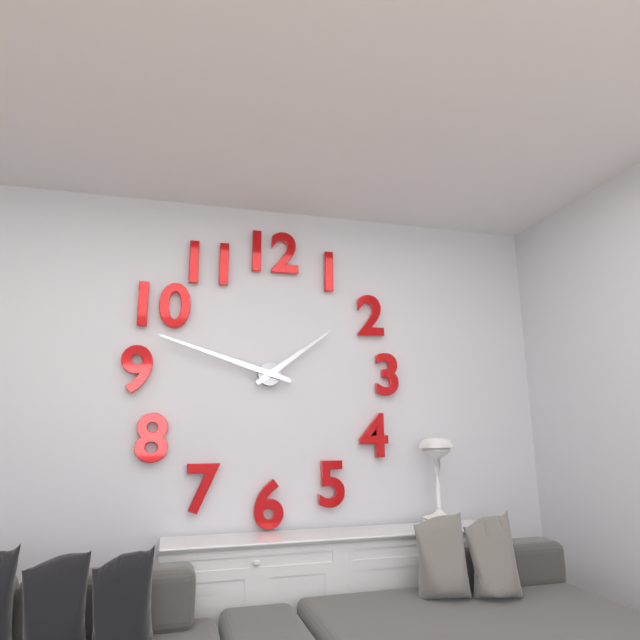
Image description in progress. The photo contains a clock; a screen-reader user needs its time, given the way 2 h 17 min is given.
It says 1 h 48 min
